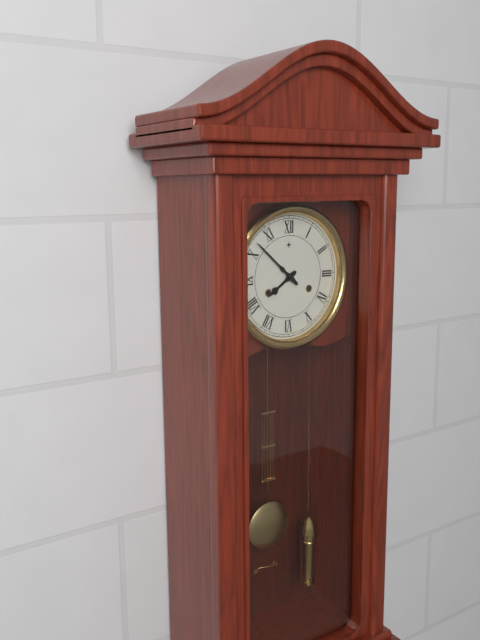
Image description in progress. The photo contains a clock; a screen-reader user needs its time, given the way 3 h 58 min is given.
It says 7 h 52 min
